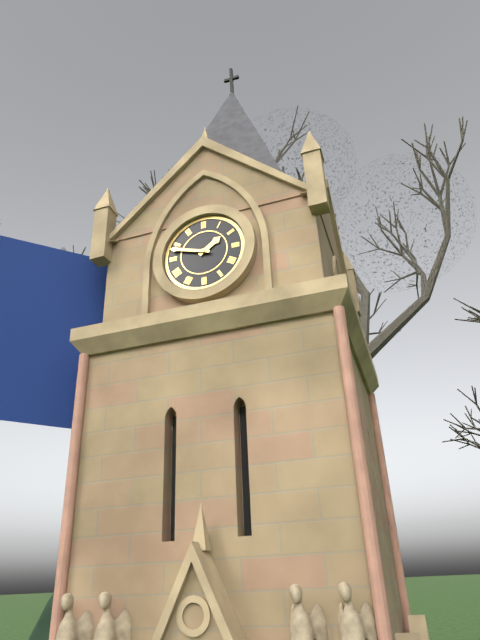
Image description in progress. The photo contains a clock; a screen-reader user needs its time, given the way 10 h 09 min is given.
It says 1 h 48 min
